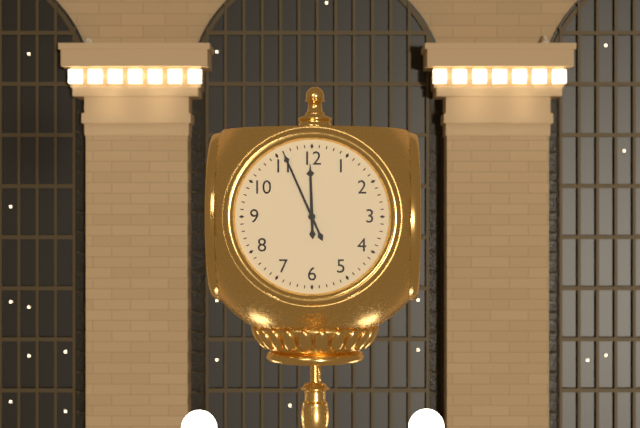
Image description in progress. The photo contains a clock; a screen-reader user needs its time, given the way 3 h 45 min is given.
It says 11 h 56 min
